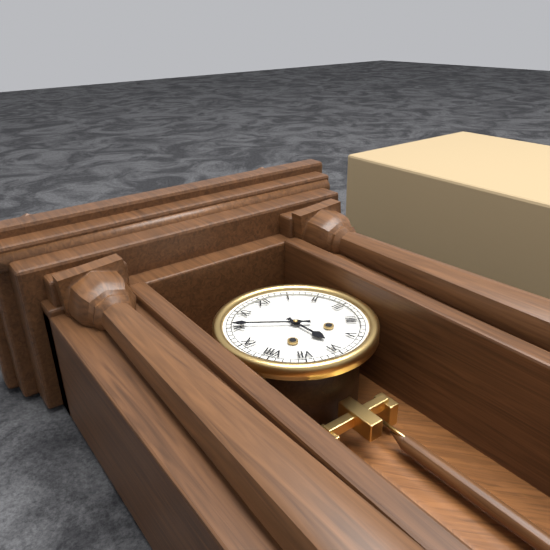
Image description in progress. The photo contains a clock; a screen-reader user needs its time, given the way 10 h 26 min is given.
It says 5 h 51 min
